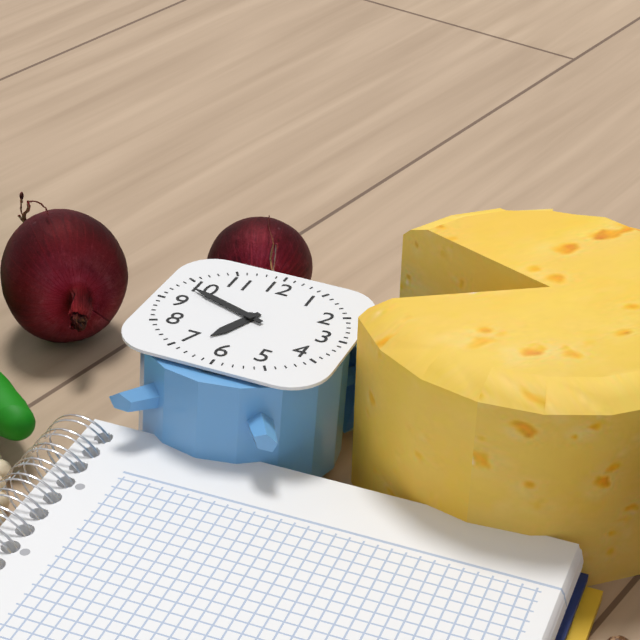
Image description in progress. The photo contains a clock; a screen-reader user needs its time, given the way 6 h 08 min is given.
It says 6 h 48 min
